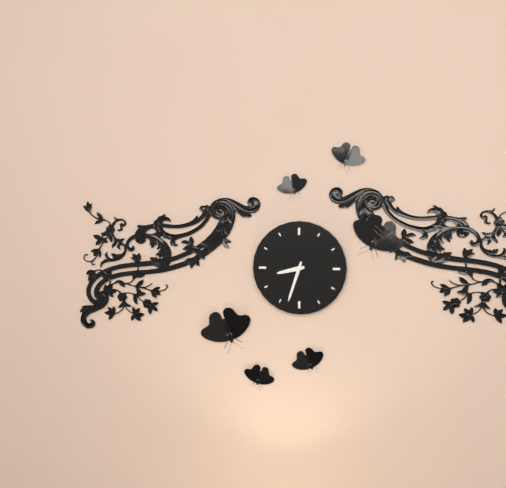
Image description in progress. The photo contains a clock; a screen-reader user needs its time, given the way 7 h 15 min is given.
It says 8 h 33 min
